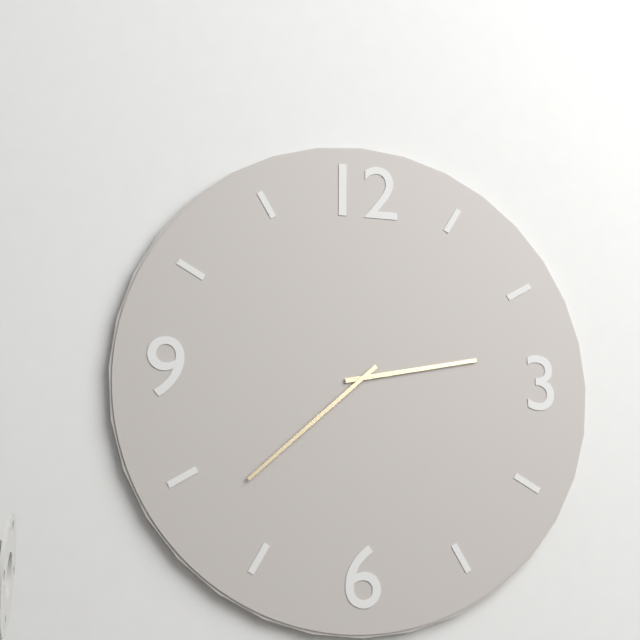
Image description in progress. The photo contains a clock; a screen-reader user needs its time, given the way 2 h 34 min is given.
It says 2 h 38 min
